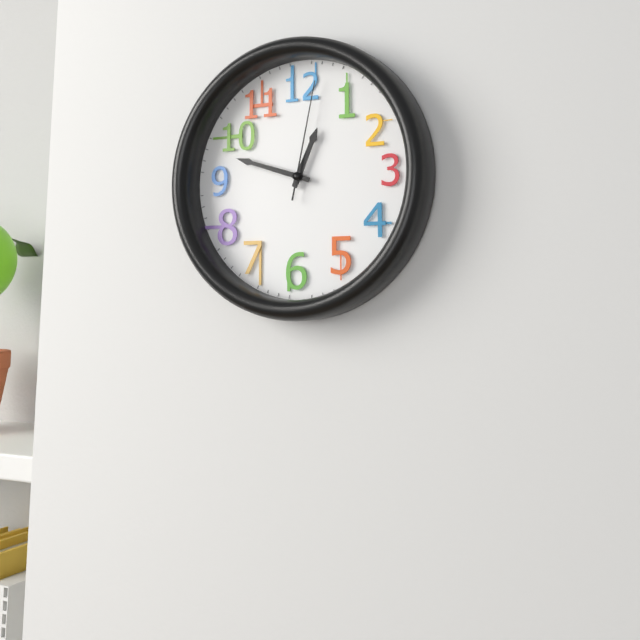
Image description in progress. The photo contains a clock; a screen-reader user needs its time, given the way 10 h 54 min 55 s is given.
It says 12 h 48 min 02 s
